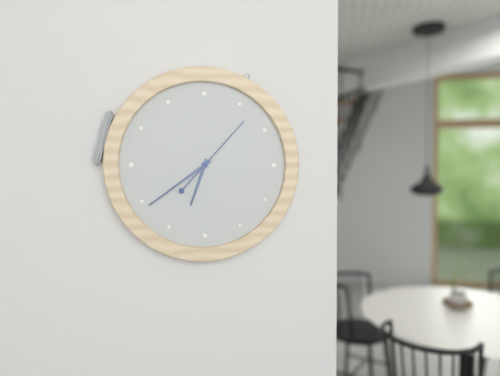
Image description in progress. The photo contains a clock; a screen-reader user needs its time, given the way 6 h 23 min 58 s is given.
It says 6 h 39 min 07 s
